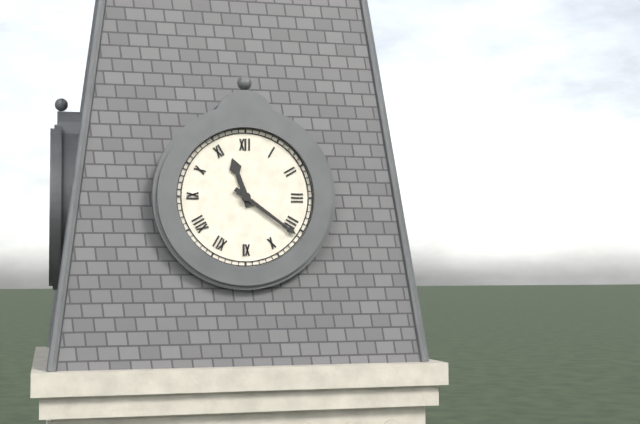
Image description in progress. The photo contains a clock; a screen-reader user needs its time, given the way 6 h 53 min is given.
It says 11 h 21 min
